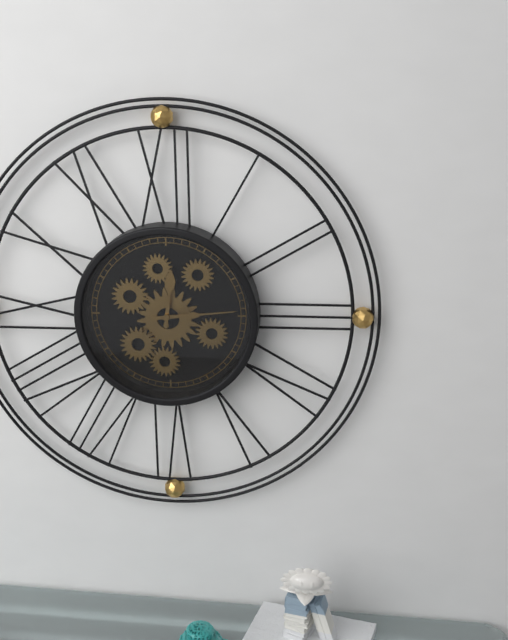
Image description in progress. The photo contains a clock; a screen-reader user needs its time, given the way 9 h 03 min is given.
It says 12 h 14 min
